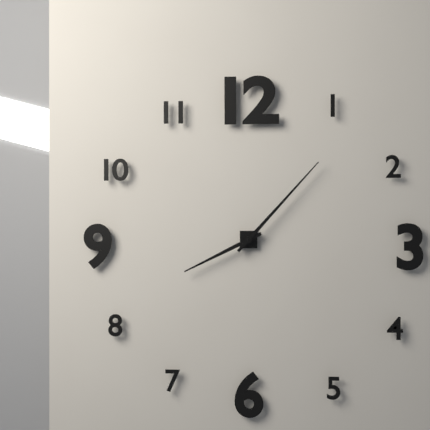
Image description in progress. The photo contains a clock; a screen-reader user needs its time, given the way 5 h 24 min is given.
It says 8 h 07 min
